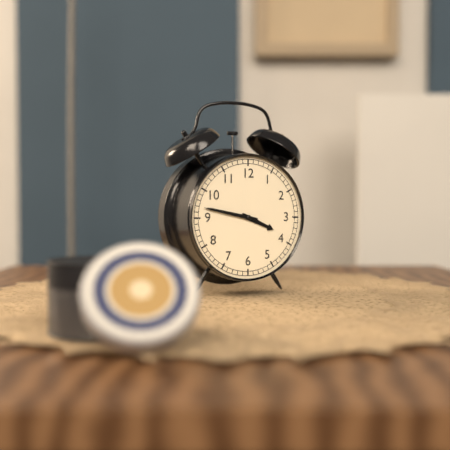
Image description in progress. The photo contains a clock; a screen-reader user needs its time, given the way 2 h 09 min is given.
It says 3 h 47 min
